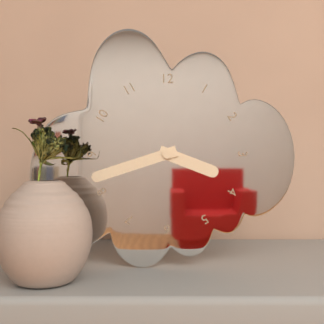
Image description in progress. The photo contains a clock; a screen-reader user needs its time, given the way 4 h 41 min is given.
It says 3 h 42 min
